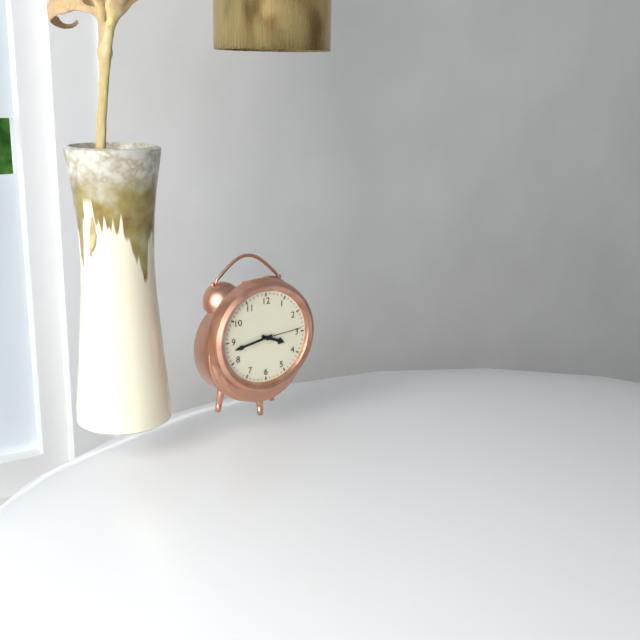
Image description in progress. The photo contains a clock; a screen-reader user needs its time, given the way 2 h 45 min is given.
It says 3 h 43 min
